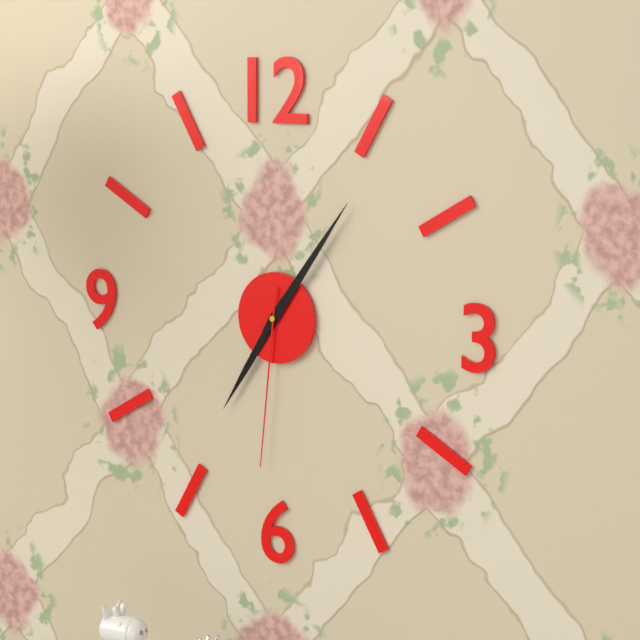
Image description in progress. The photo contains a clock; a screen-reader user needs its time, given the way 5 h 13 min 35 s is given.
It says 7 h 06 min 31 s
